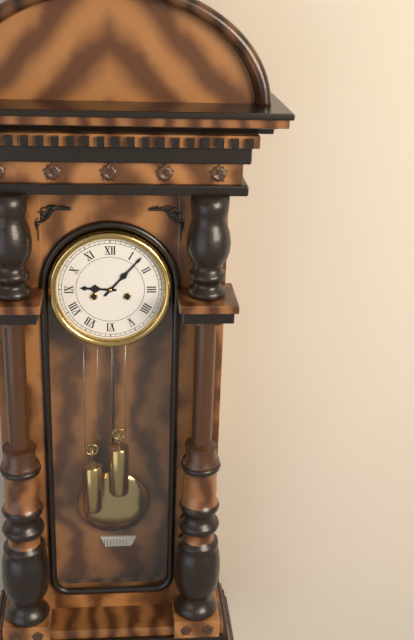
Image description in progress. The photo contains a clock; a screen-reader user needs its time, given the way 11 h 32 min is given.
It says 9 h 07 min
